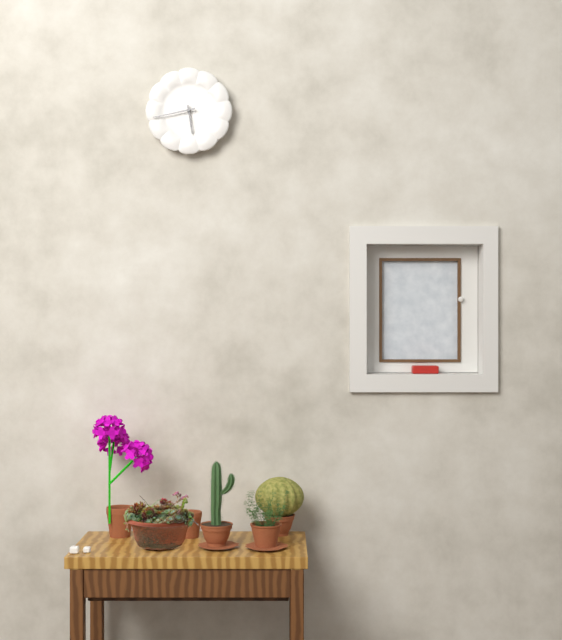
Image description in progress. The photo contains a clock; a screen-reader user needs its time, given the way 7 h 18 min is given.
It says 5 h 43 min
